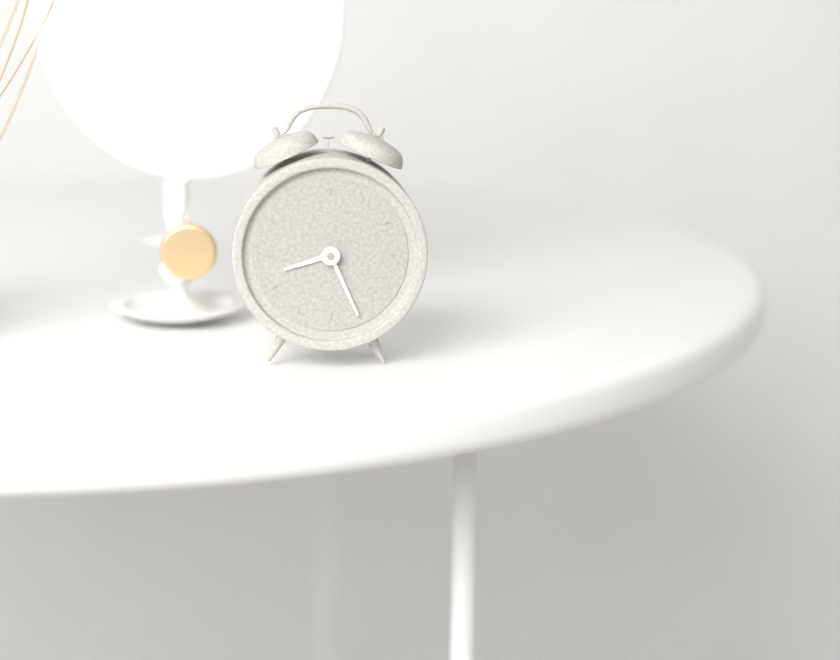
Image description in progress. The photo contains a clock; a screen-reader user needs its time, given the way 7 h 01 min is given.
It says 8 h 26 min
